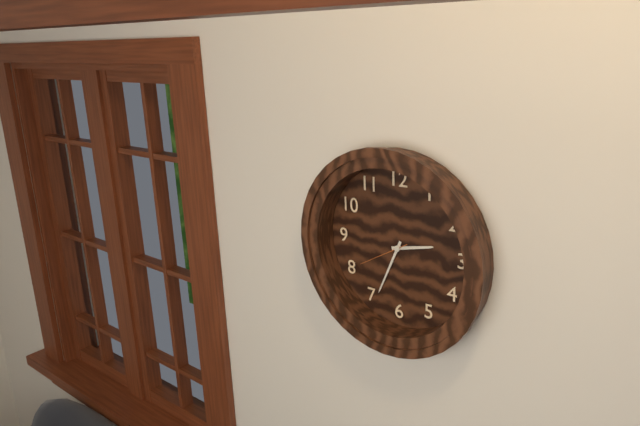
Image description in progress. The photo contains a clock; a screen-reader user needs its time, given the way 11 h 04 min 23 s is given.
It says 2 h 34 min 40 s
